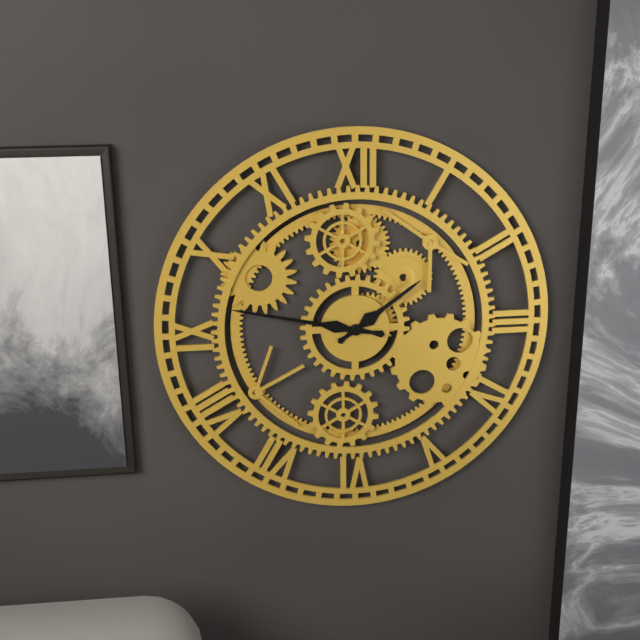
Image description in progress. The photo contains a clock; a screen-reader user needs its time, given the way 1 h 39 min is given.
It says 1 h 47 min
